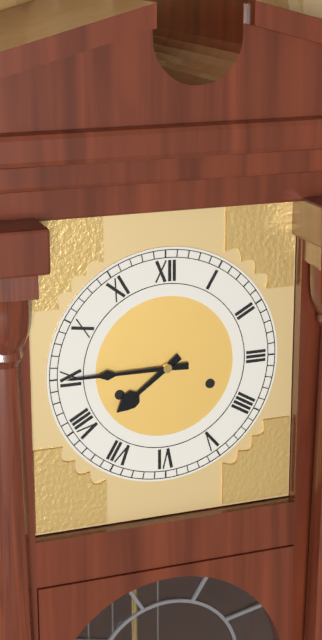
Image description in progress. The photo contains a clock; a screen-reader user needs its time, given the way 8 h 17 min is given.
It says 7 h 45 min
